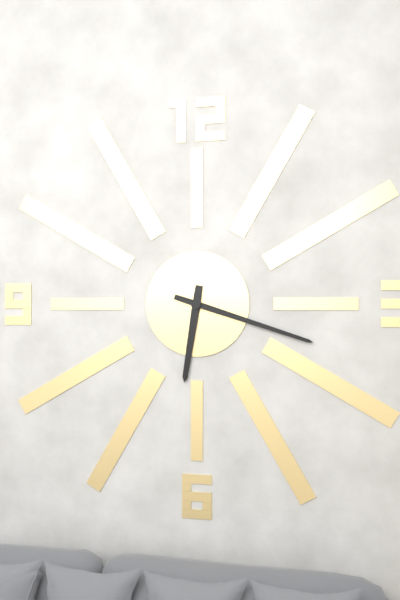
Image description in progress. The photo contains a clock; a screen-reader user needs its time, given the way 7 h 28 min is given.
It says 6 h 18 min
